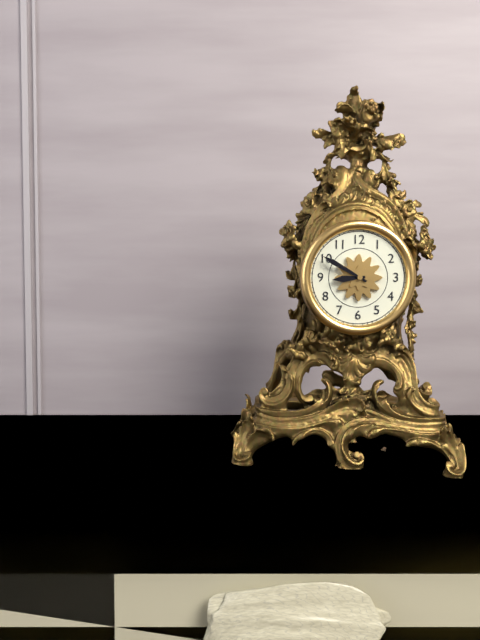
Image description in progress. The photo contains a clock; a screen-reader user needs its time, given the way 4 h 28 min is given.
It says 8 h 50 min
